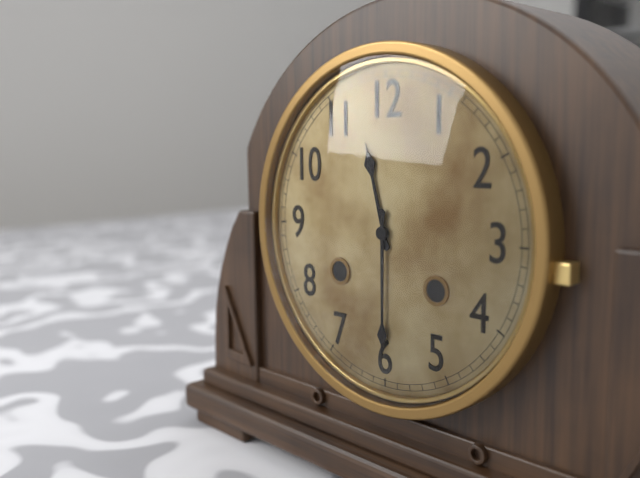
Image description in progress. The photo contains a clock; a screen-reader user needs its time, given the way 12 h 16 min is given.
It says 11 h 30 min
